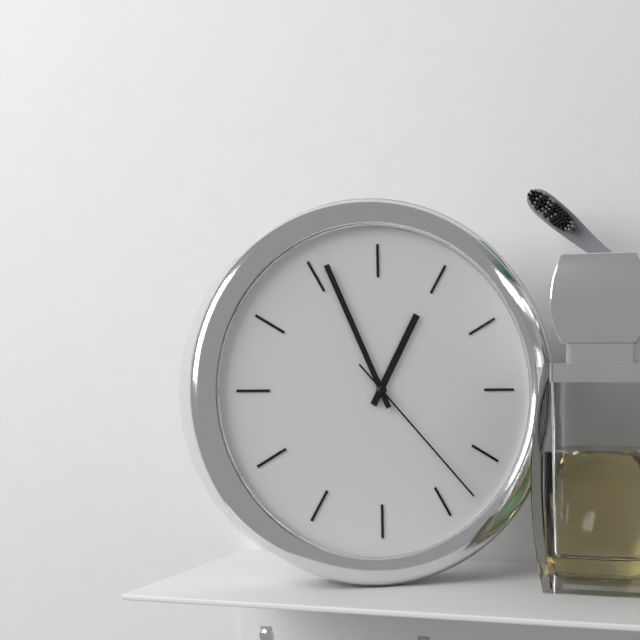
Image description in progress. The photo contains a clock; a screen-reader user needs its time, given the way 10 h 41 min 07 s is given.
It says 12 h 56 min 23 s
